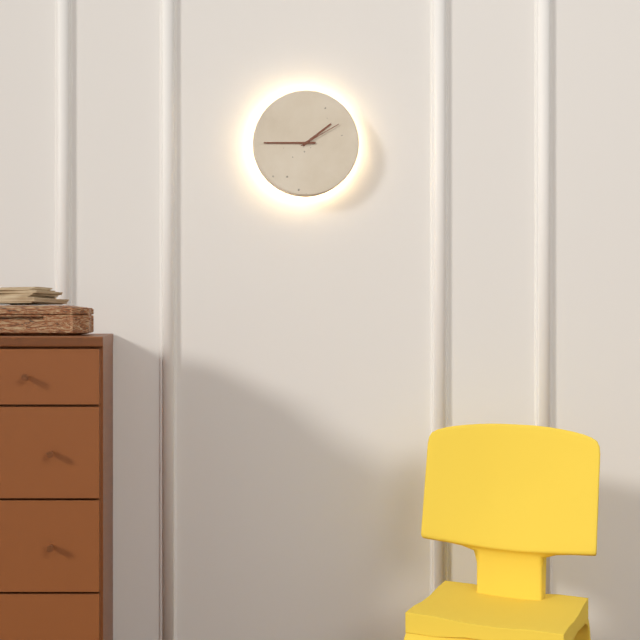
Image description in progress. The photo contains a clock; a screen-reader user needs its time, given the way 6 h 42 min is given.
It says 1 h 45 min
